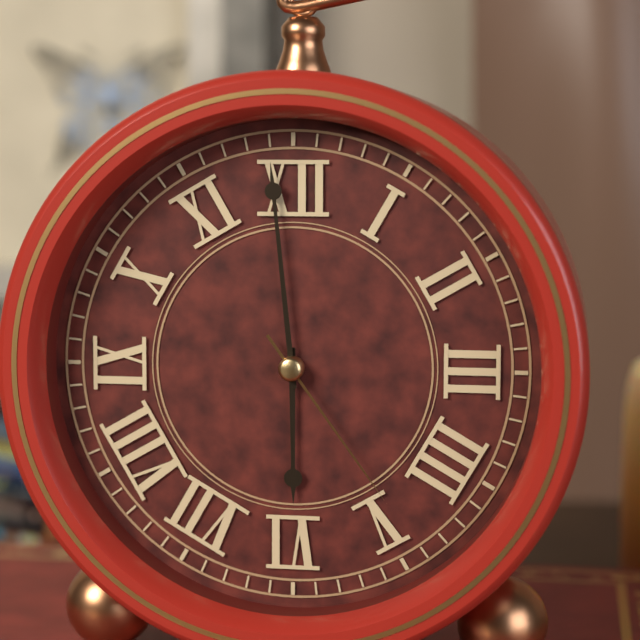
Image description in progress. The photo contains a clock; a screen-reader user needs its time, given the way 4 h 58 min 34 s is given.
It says 5 h 59 min 24 s
